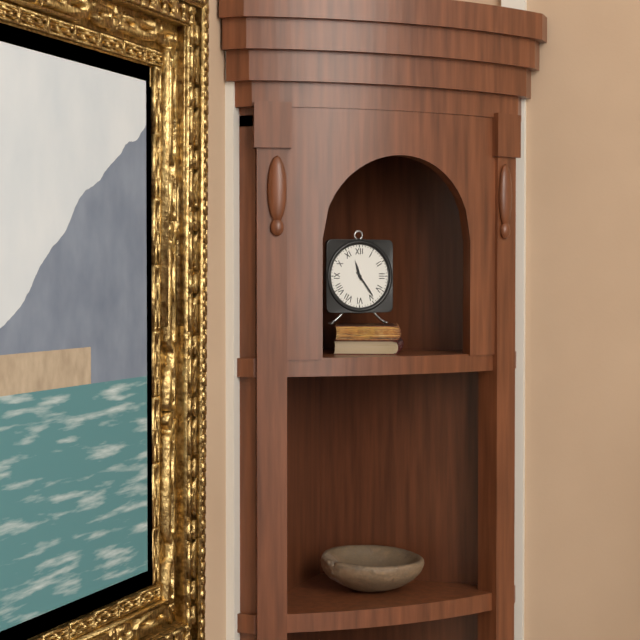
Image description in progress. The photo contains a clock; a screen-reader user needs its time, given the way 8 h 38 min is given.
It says 11 h 24 min
